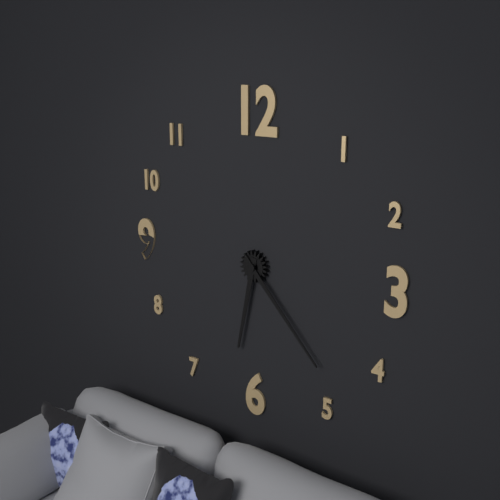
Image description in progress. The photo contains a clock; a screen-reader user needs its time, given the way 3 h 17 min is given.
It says 6 h 23 min
